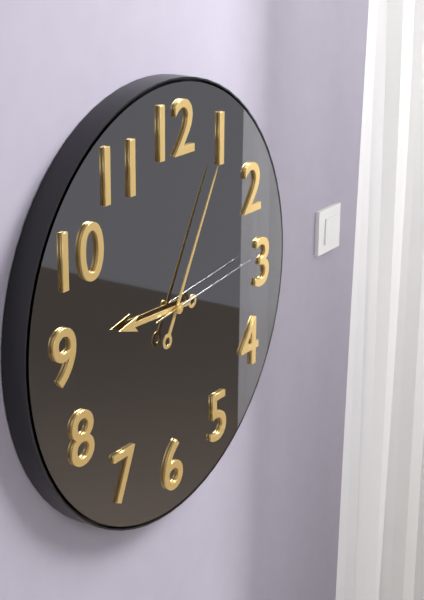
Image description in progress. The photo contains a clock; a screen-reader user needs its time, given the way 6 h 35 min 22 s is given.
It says 9 h 05 min 14 s
